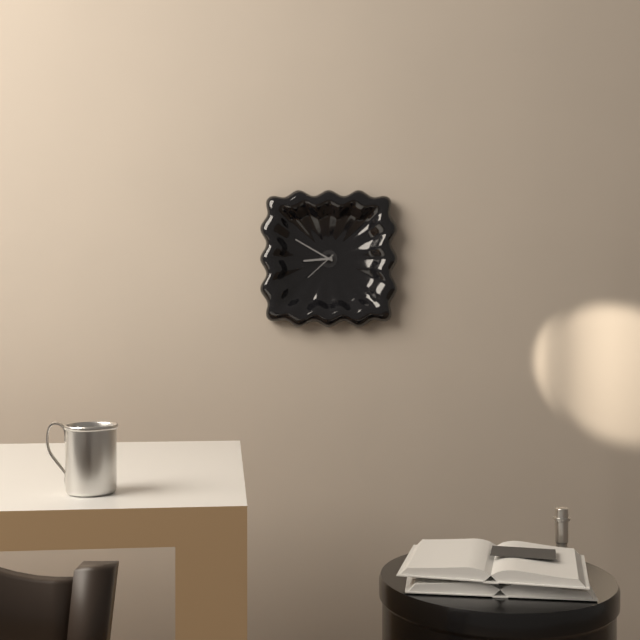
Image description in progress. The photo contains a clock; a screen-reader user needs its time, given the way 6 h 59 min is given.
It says 8 h 50 min
